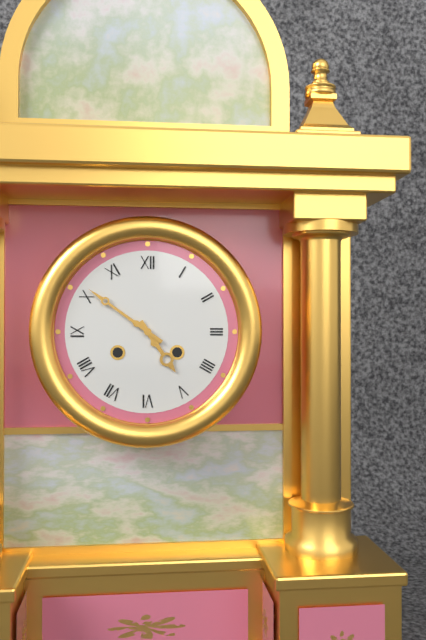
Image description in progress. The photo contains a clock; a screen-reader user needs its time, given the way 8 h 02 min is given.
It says 4 h 51 min
